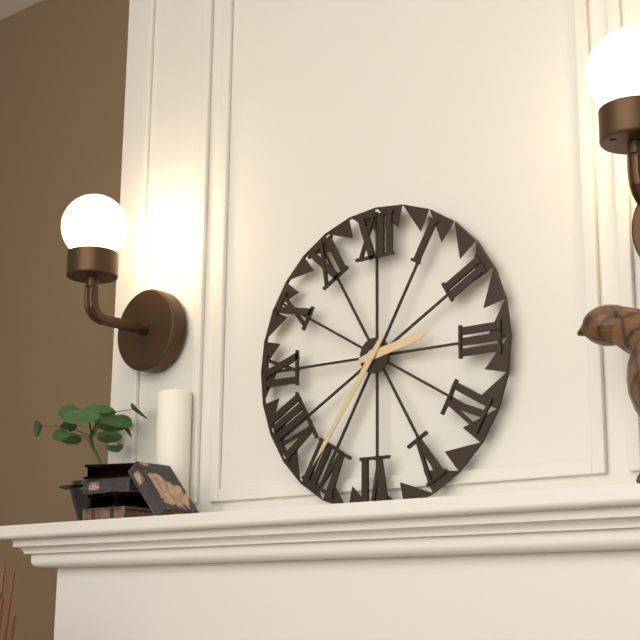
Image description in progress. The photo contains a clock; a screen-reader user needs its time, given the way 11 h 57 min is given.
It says 2 h 36 min
